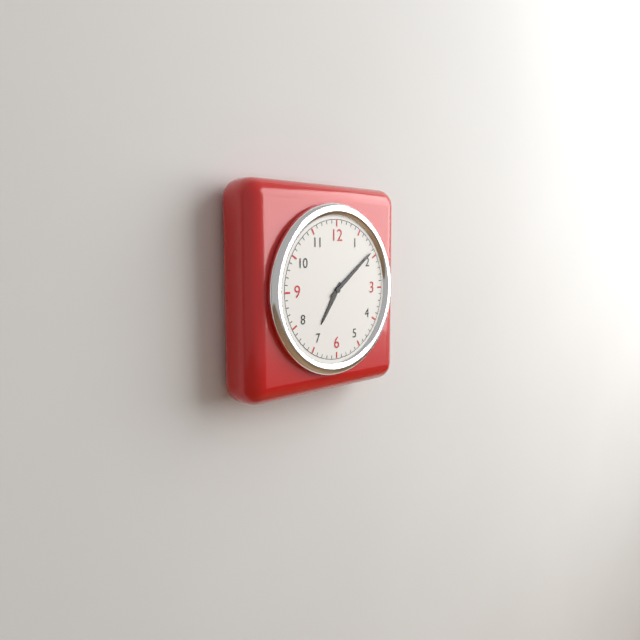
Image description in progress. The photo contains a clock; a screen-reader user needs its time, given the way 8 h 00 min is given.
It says 7 h 09 min
